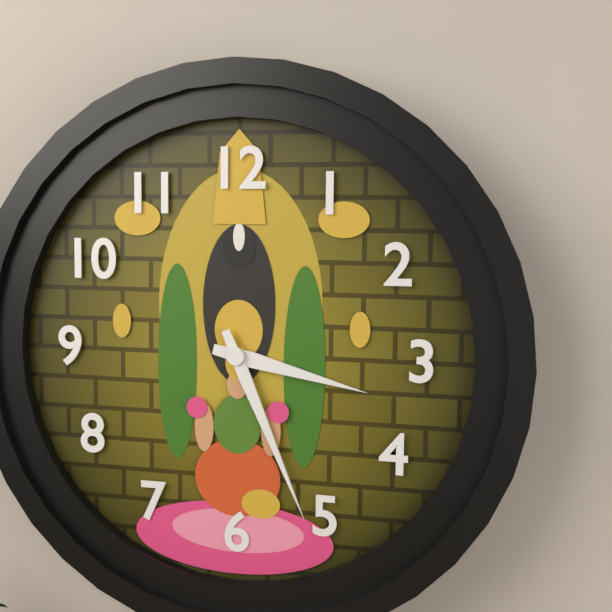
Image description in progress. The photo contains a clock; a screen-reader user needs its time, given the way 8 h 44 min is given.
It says 3 h 26 min
